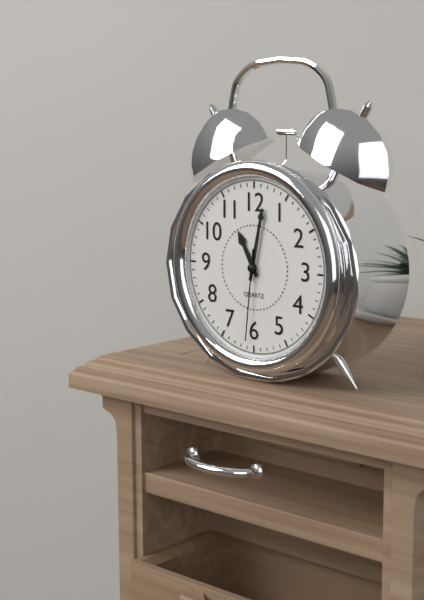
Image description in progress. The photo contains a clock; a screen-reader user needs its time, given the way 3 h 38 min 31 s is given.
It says 11 h 02 min 31 s
